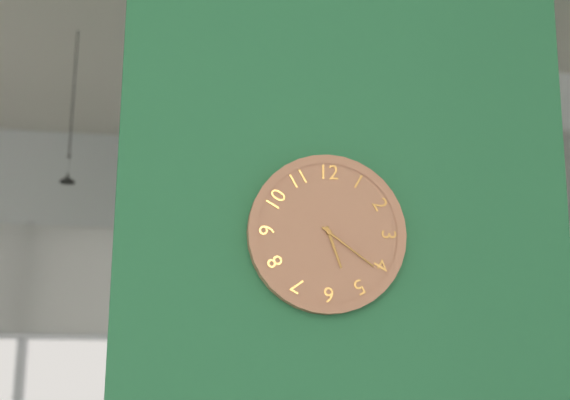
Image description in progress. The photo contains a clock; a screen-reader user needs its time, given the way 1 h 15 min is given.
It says 5 h 21 min
